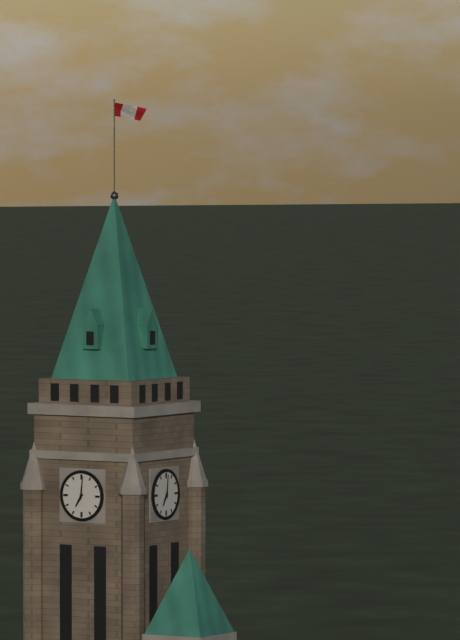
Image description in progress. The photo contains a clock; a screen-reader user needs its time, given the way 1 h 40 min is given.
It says 7 h 01 min
